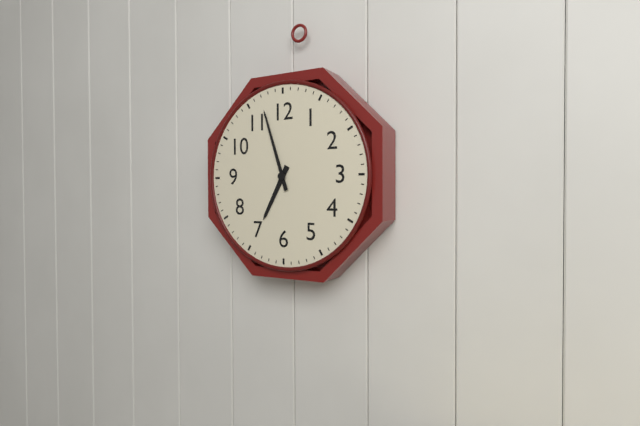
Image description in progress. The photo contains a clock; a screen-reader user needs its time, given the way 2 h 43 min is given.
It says 6 h 57 min
